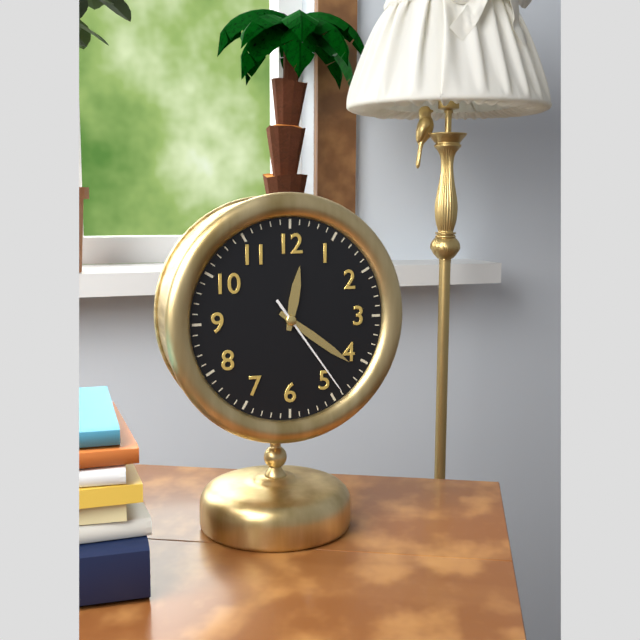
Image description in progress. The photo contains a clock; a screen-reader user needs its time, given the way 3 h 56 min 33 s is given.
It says 12 h 21 min 24 s
